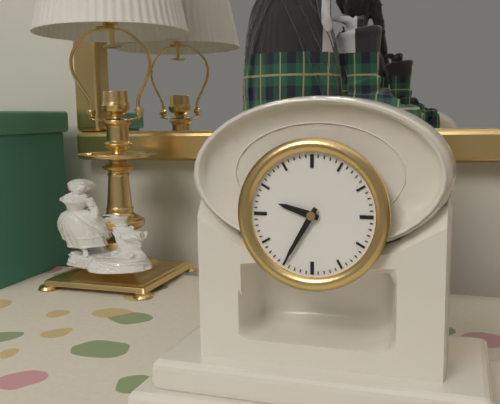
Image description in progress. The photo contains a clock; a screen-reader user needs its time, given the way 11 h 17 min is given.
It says 9 h 35 min
